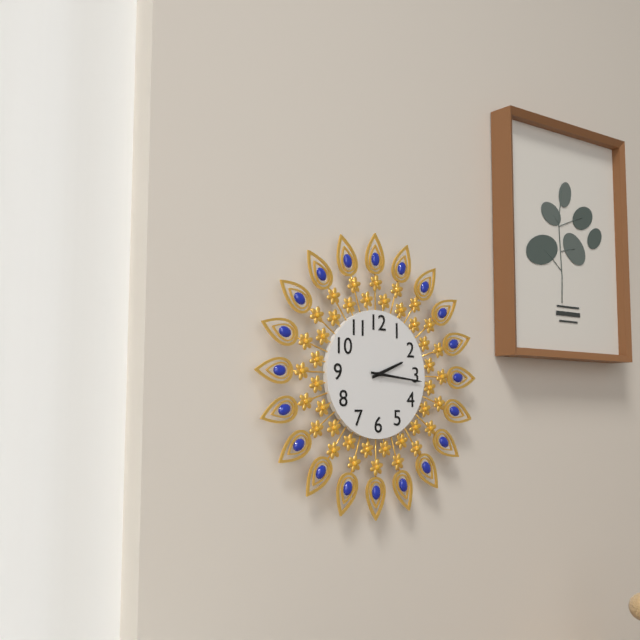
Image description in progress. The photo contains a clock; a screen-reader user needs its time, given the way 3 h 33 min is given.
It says 2 h 16 min
